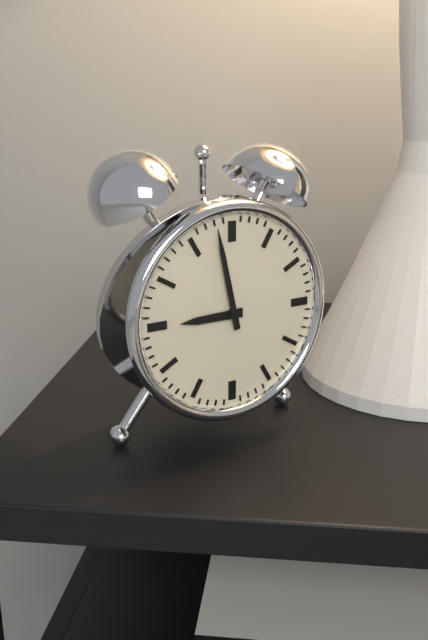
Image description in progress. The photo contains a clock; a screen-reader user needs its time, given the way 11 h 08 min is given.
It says 8 h 58 min
